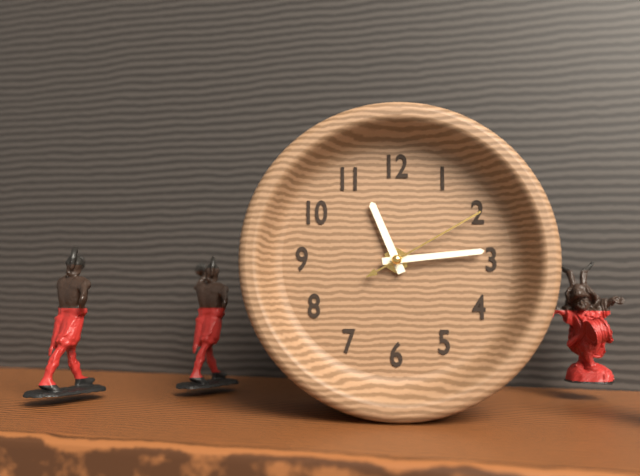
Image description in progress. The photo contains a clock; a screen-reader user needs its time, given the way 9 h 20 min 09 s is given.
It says 11 h 14 min 10 s
